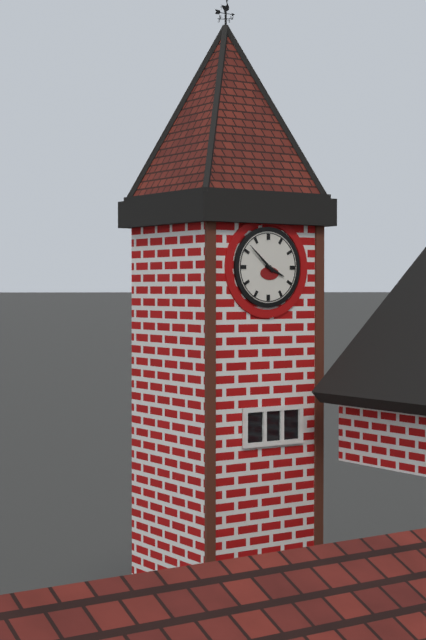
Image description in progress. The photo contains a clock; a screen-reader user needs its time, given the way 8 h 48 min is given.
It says 3 h 52 min
